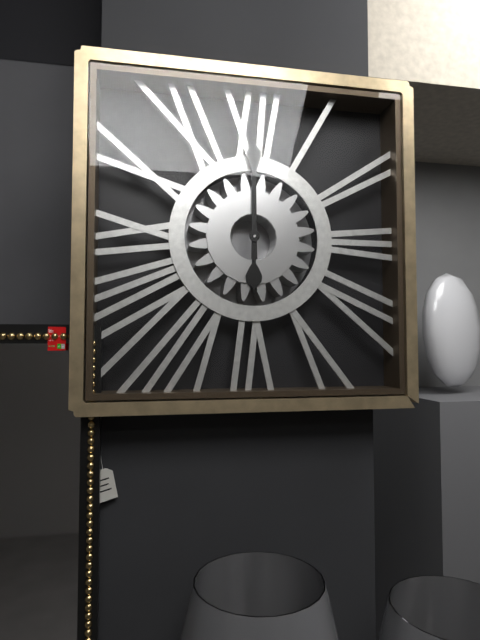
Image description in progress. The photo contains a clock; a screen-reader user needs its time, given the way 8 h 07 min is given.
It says 6 h 00 min
